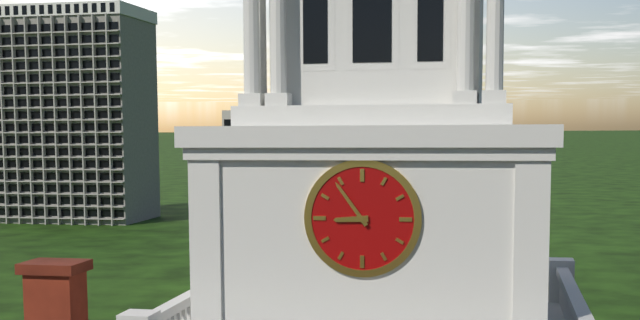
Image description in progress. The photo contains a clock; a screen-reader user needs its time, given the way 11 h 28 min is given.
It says 8 h 54 min
